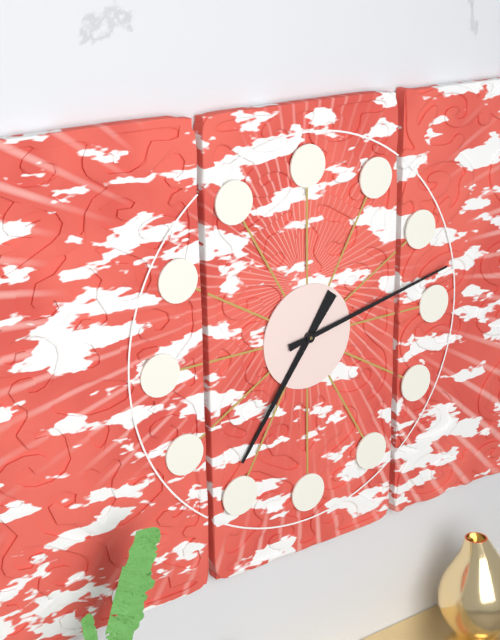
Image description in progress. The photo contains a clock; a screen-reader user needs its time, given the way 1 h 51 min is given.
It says 7 h 13 min
